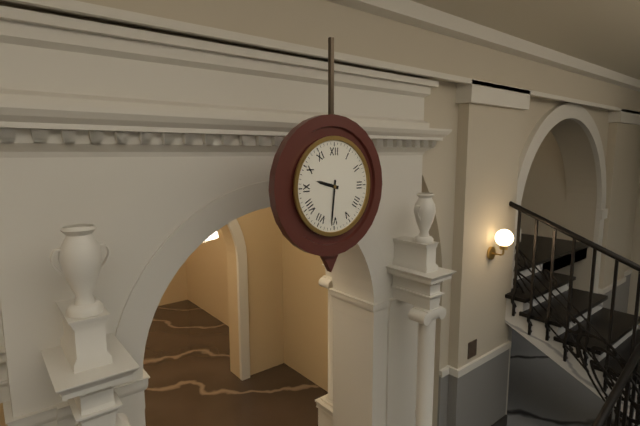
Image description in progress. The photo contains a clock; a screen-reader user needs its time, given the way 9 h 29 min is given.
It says 9 h 31 min
